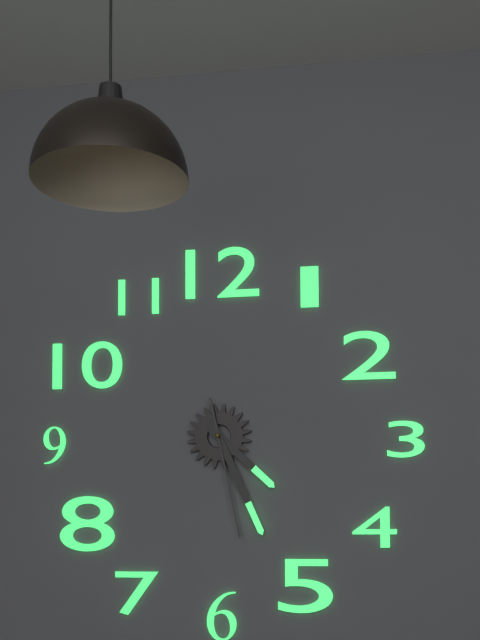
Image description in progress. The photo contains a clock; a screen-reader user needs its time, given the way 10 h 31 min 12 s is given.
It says 4 h 26 min 28 s
